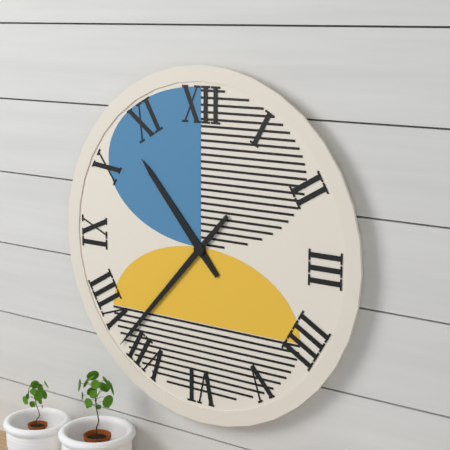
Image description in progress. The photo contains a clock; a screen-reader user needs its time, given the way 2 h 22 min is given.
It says 10 h 37 min
